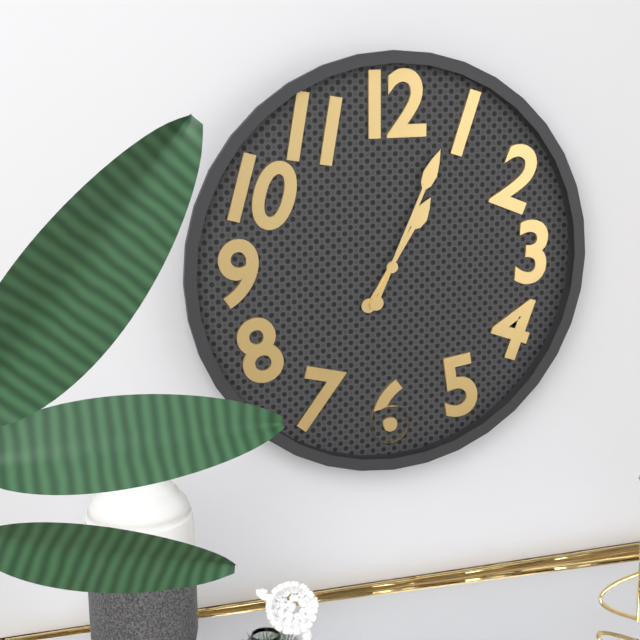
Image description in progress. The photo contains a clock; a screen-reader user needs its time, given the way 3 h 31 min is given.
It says 1 h 04 min
